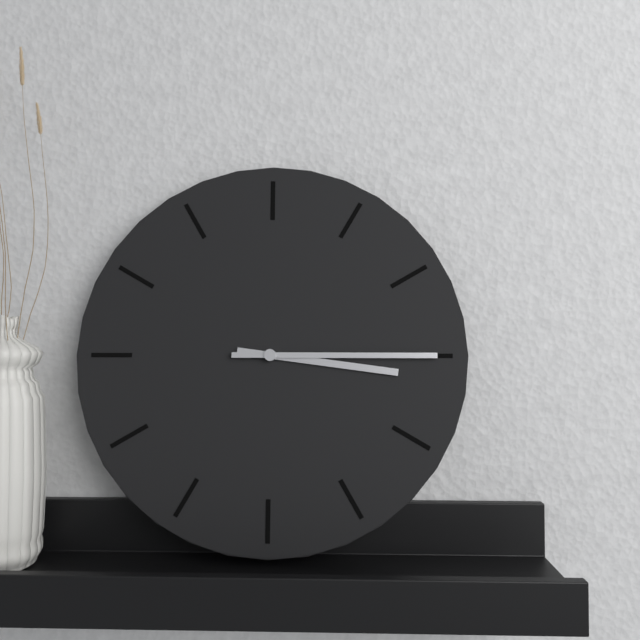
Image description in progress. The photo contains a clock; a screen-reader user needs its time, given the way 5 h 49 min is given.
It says 3 h 15 min
